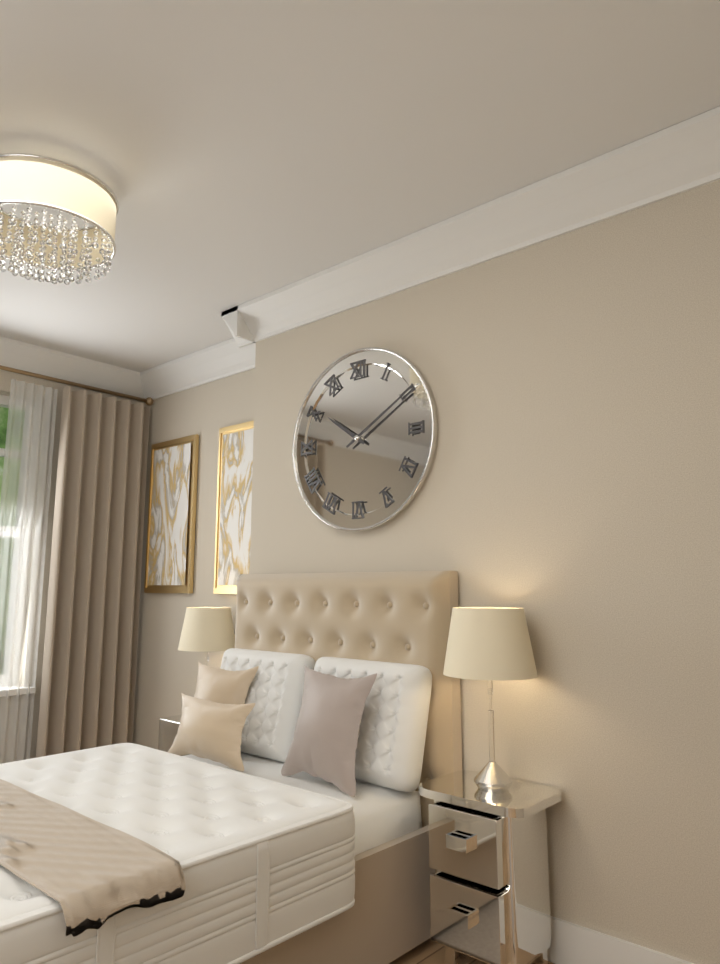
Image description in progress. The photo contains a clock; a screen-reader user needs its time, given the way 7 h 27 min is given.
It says 10 h 10 min
